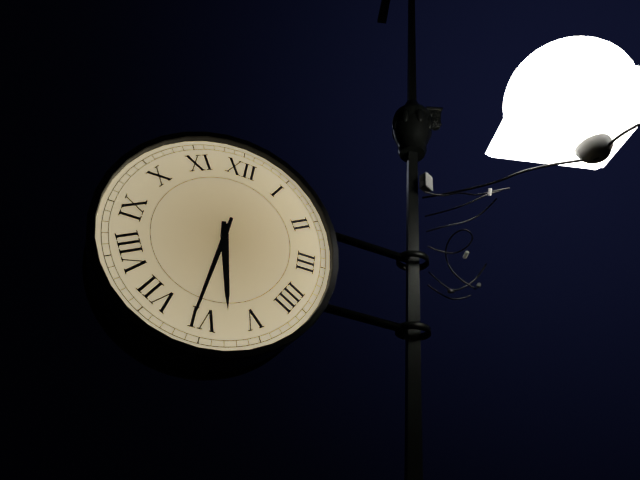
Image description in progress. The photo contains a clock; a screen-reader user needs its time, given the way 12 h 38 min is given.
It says 5 h 31 min
